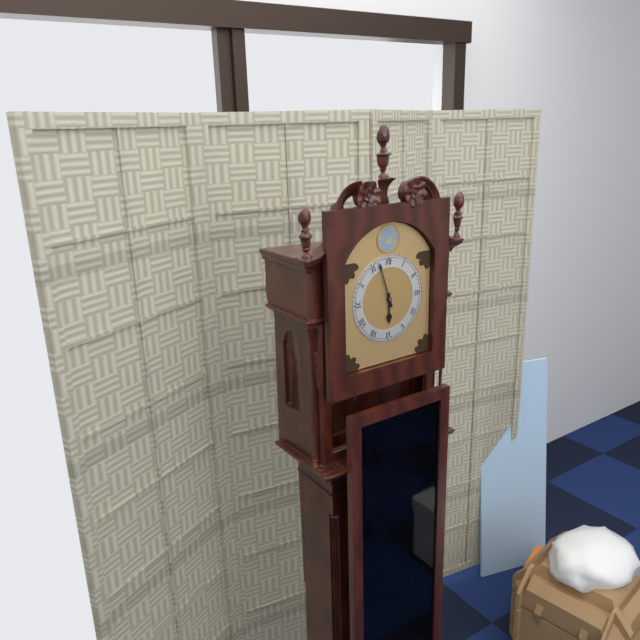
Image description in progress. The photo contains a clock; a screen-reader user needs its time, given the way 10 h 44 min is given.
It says 5 h 57 min
